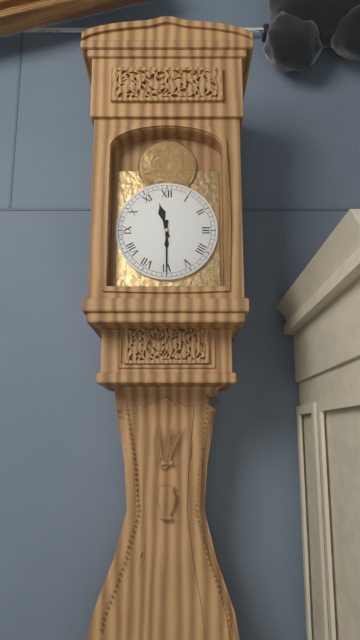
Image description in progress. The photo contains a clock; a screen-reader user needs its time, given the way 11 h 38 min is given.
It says 11 h 30 min
